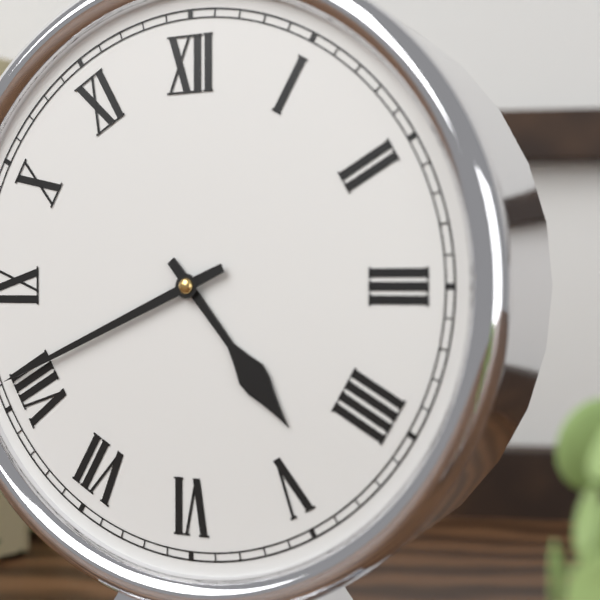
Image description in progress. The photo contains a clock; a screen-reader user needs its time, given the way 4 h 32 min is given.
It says 4 h 41 min
